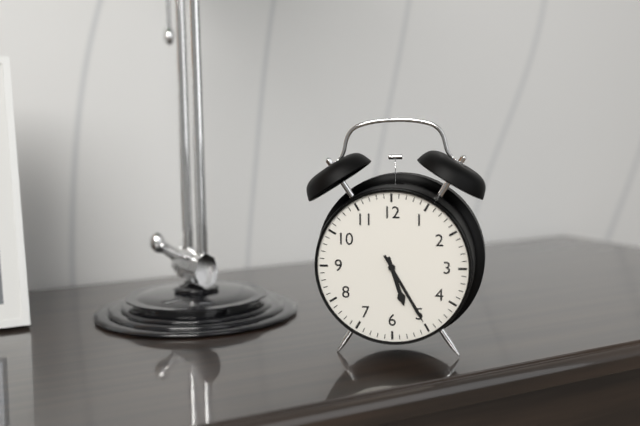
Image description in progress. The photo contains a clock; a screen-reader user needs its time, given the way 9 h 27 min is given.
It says 5 h 25 min
